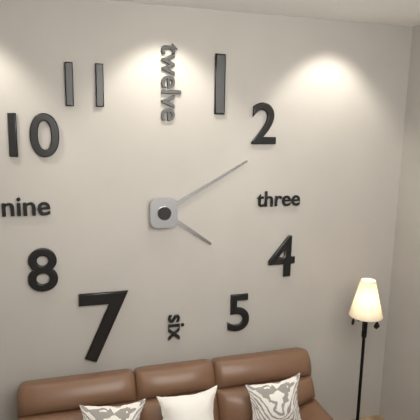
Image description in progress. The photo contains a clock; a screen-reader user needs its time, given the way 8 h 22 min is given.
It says 4 h 10 min
